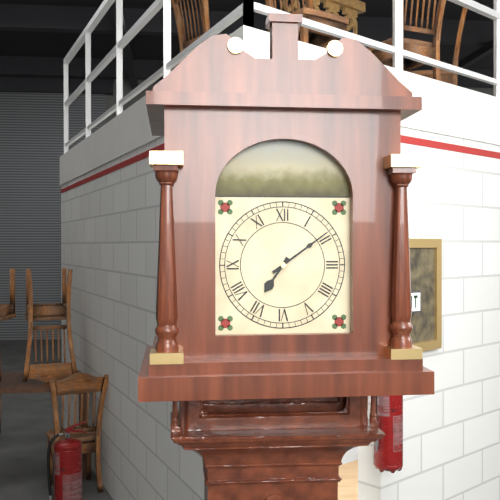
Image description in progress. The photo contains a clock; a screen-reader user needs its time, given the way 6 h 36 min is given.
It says 7 h 09 min
